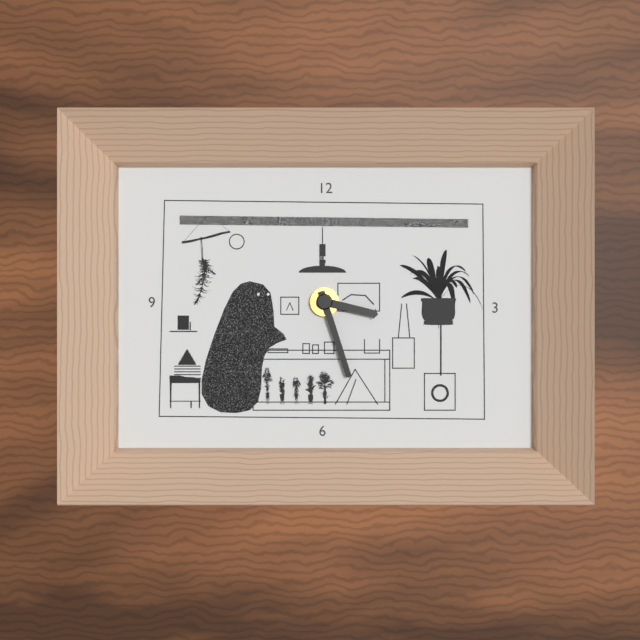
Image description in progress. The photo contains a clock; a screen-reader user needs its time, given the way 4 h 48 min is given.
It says 3 h 27 min
